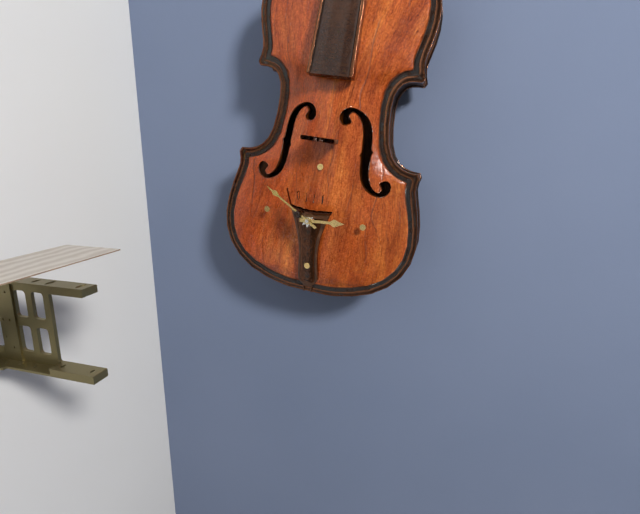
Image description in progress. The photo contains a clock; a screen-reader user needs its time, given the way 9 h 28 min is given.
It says 2 h 50 min
